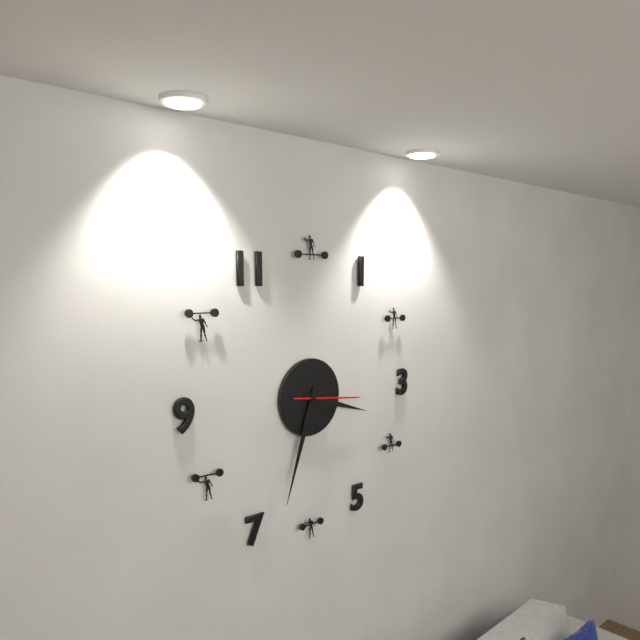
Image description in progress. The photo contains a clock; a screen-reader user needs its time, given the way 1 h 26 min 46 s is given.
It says 3 h 33 min 16 s
